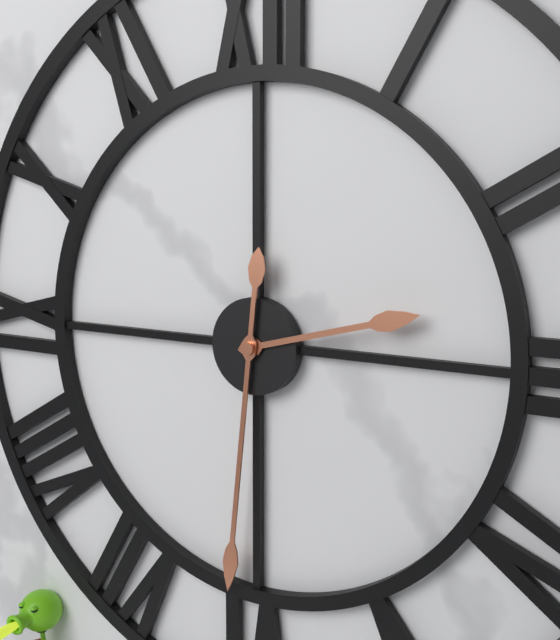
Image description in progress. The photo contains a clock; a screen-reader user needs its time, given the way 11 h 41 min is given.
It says 2 h 31 min
